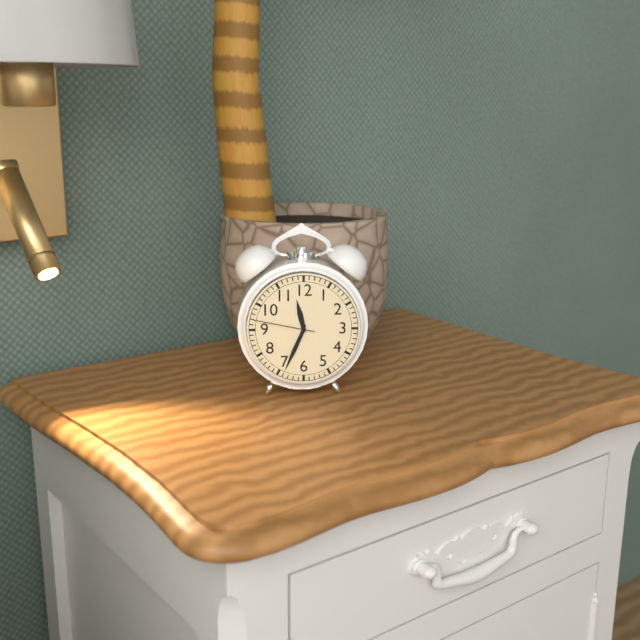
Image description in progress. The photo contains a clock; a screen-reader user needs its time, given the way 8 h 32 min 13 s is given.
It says 11 h 34 min 47 s
